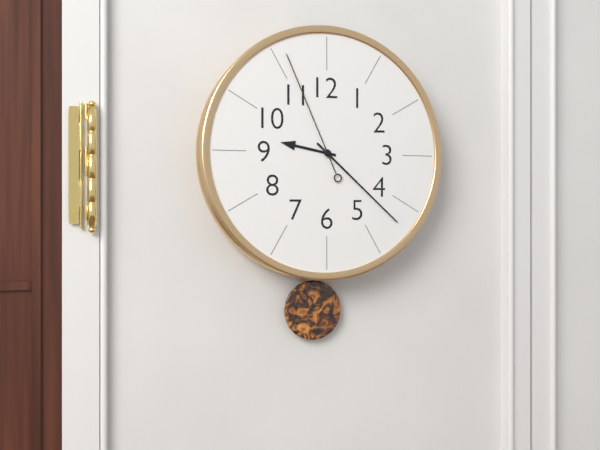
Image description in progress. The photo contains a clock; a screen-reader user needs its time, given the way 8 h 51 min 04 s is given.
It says 9 h 22 min 56 s
